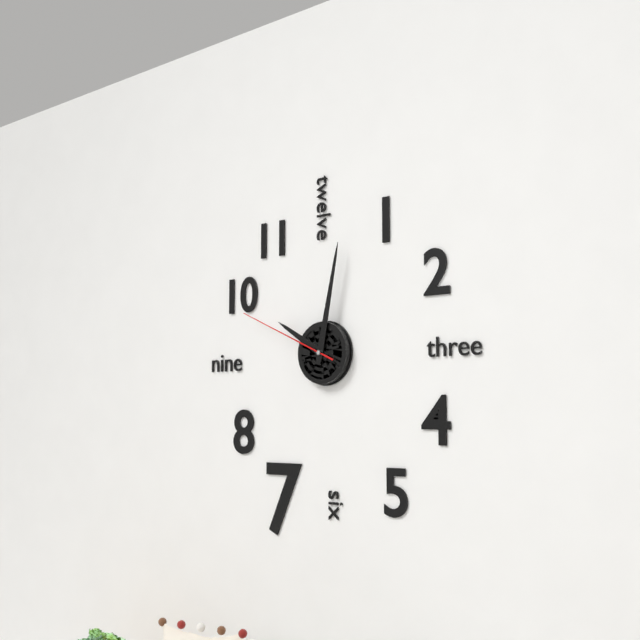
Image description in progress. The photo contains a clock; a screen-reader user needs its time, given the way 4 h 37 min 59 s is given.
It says 10 h 02 min 49 s
